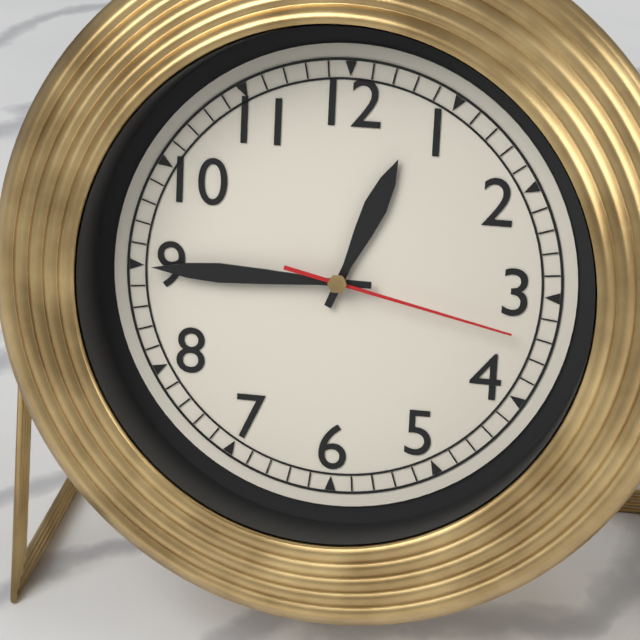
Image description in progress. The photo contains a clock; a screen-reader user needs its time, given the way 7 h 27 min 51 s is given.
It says 12 h 45 min 17 s
